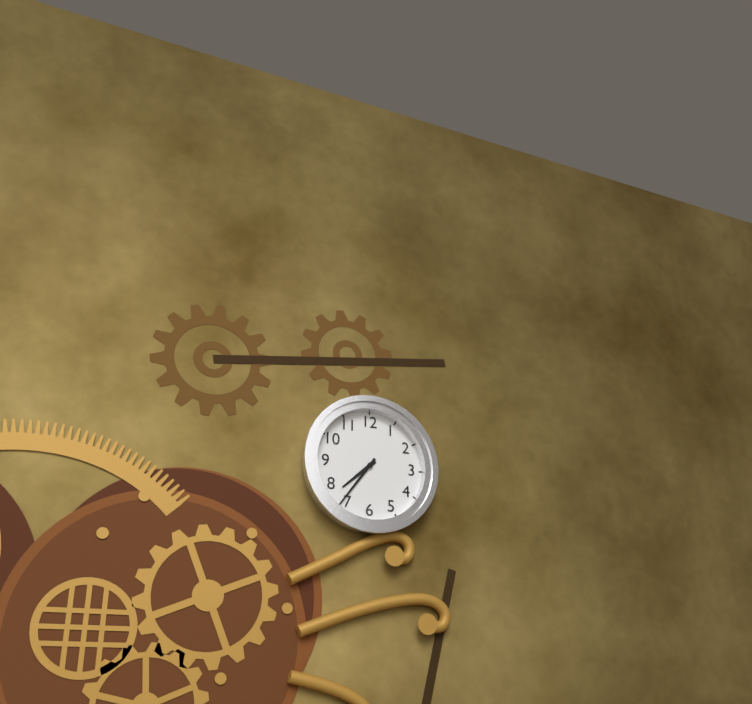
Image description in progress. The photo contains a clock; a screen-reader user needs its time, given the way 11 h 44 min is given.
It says 7 h 36 min
